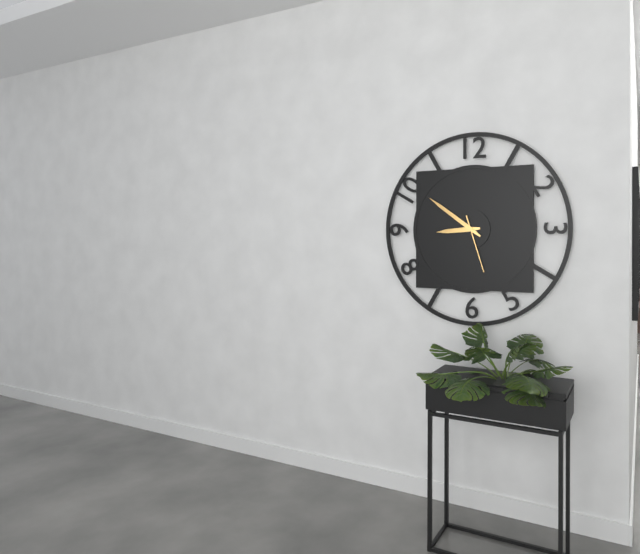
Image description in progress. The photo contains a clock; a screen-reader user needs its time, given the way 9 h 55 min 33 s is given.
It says 8 h 51 min 27 s
